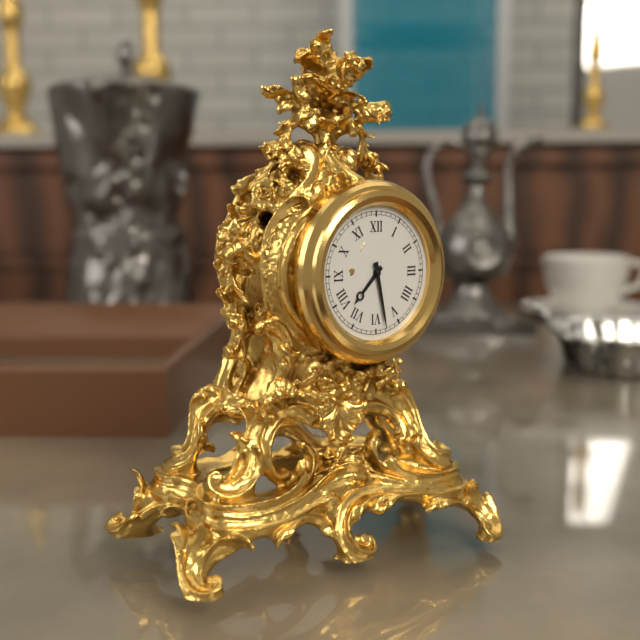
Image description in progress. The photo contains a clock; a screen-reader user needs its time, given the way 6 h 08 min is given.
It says 7 h 28 min
